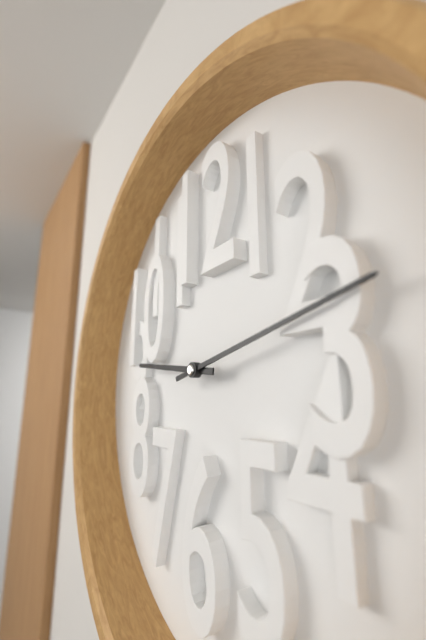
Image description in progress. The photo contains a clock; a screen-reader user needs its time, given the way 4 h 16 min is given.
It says 9 h 13 min
